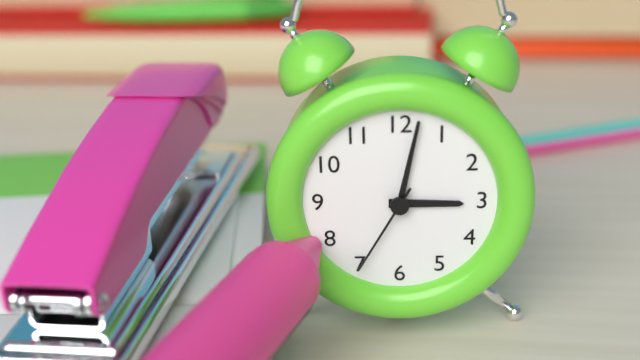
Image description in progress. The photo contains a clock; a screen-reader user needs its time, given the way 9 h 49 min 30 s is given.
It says 3 h 02 min 35 s
